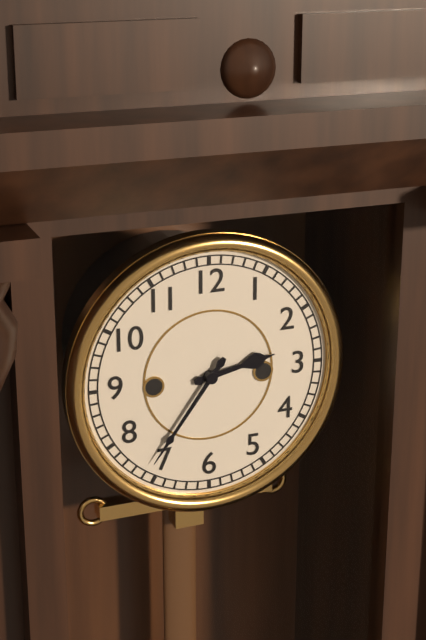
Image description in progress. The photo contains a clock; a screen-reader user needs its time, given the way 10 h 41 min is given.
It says 2 h 36 min
